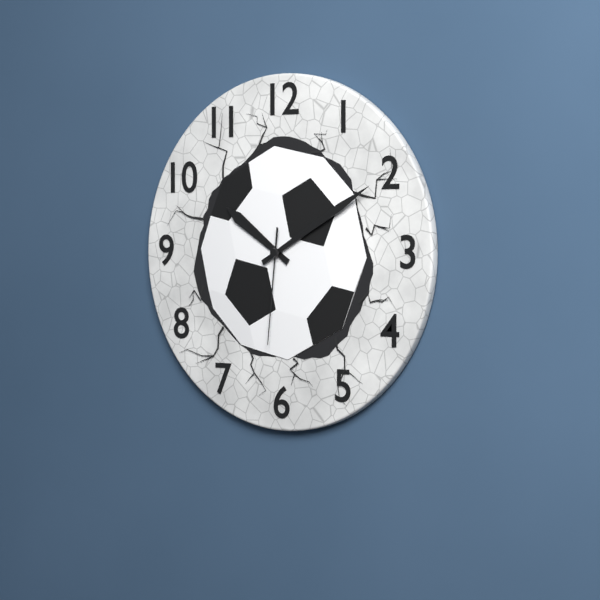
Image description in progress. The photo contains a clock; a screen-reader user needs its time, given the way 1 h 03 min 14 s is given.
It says 10 h 10 min 31 s
